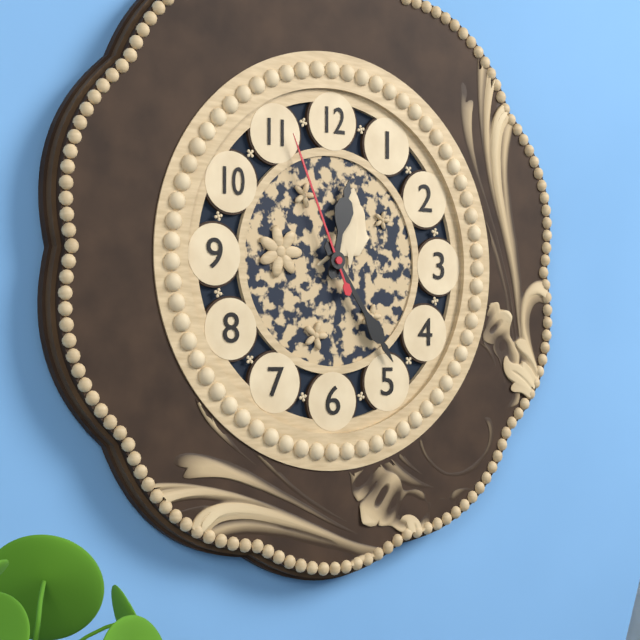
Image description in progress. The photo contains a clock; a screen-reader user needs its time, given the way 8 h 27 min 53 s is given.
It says 12 h 24 min 56 s
